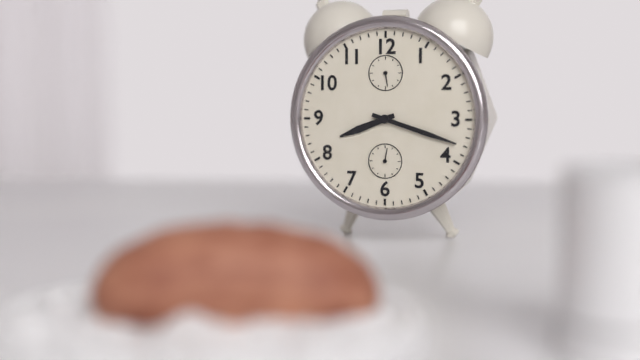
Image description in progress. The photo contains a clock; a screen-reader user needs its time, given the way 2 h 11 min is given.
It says 8 h 18 min
